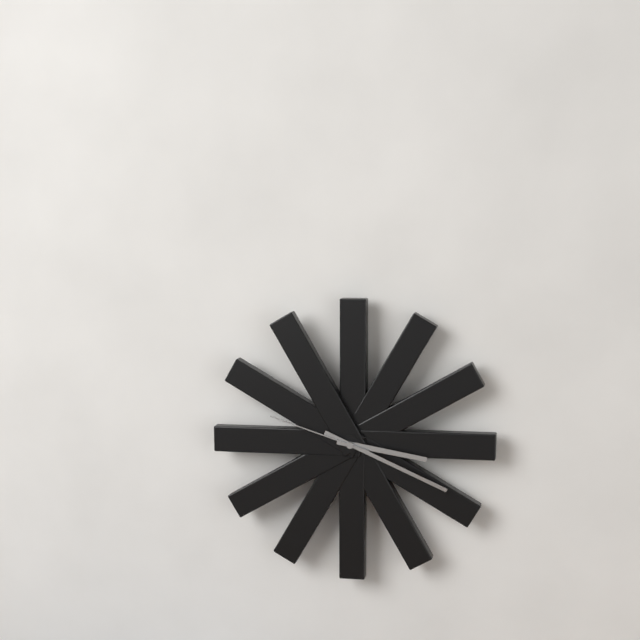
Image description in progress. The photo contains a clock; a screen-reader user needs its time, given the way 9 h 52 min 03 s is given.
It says 3 h 19 min 48 s
